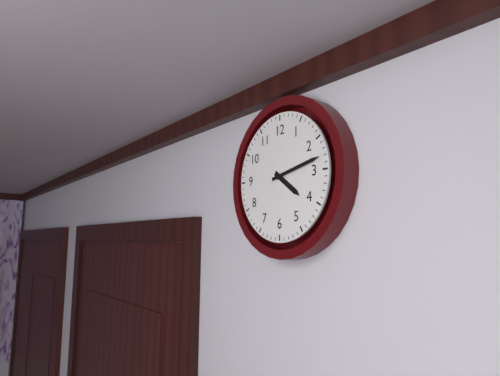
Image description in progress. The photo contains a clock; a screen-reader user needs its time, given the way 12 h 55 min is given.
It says 4 h 13 min
